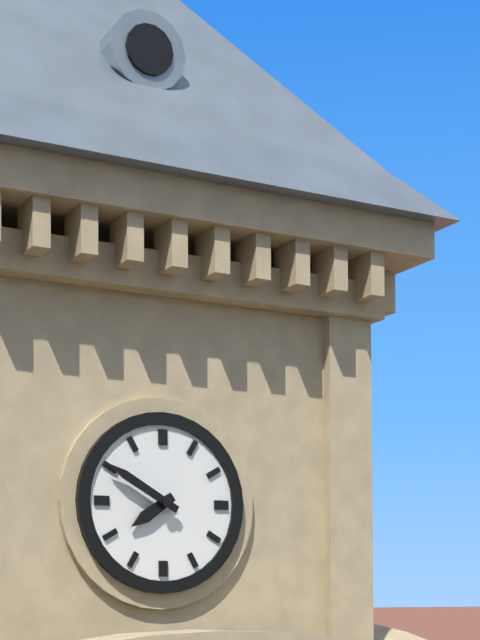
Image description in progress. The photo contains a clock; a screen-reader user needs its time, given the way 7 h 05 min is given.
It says 7 h 50 min
